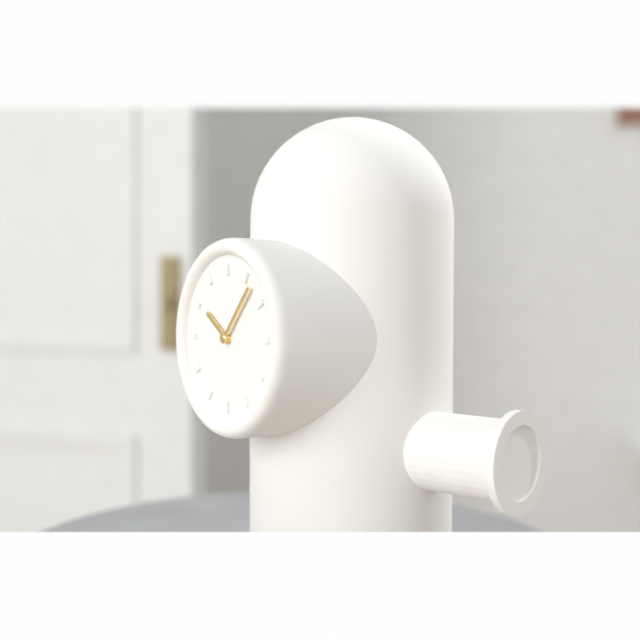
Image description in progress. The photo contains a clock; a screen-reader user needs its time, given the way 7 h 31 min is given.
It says 10 h 07 min
